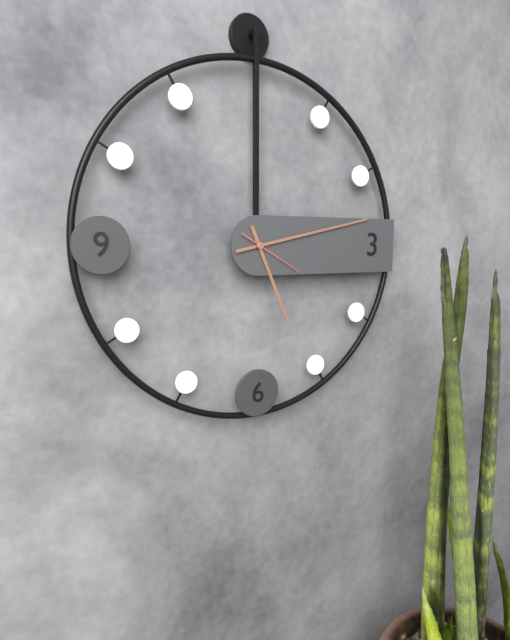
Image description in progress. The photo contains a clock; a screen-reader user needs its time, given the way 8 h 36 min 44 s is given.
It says 5 h 13 min 20 s
